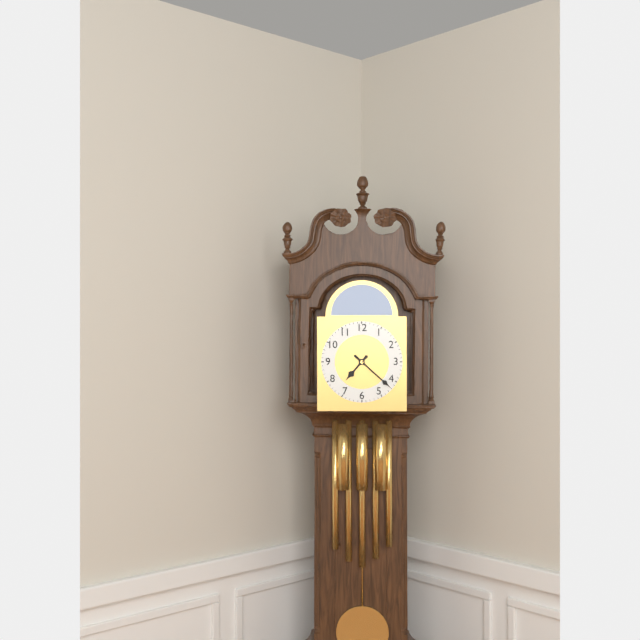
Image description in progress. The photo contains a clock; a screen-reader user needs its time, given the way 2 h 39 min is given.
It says 7 h 22 min
